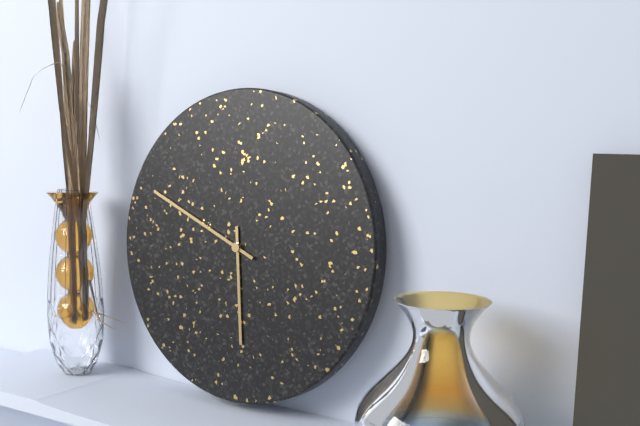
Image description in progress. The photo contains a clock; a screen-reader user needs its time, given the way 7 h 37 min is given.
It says 5 h 49 min
